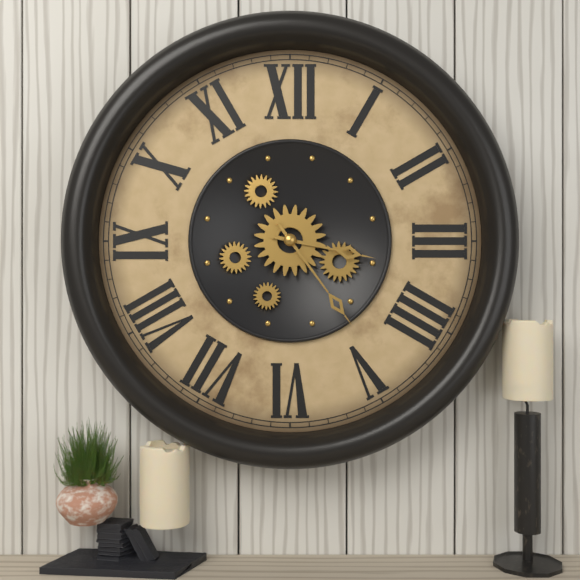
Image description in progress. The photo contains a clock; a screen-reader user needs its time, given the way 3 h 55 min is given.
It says 3 h 24 min
